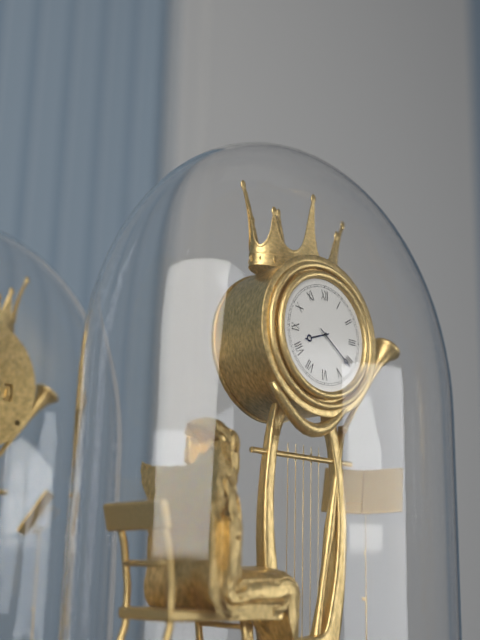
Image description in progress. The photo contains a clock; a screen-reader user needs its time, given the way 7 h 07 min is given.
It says 8 h 21 min
